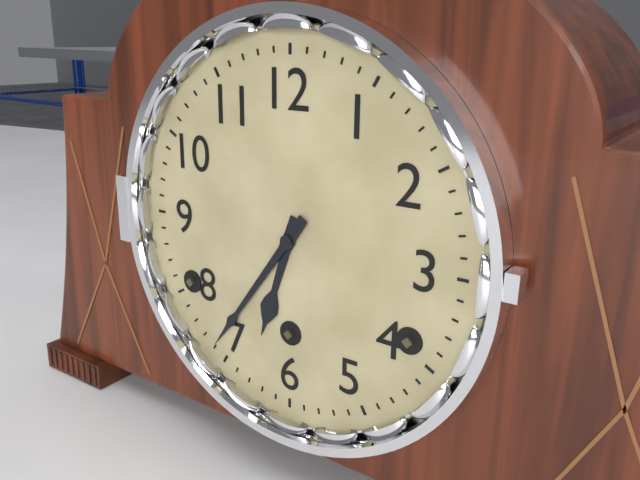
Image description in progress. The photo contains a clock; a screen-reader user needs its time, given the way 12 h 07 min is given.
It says 6 h 36 min
